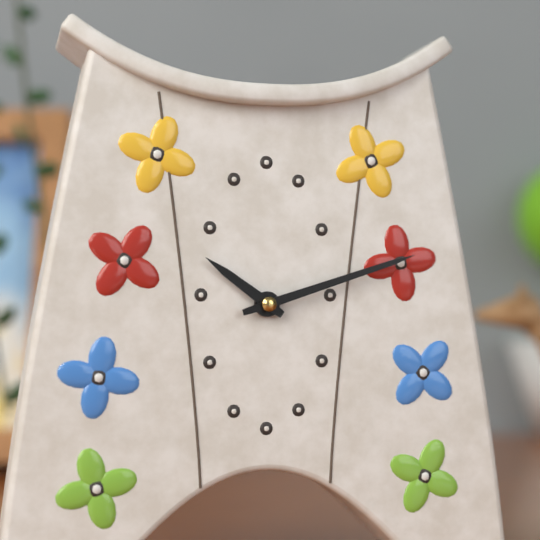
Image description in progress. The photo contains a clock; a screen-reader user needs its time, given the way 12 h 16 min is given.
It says 10 h 12 min
